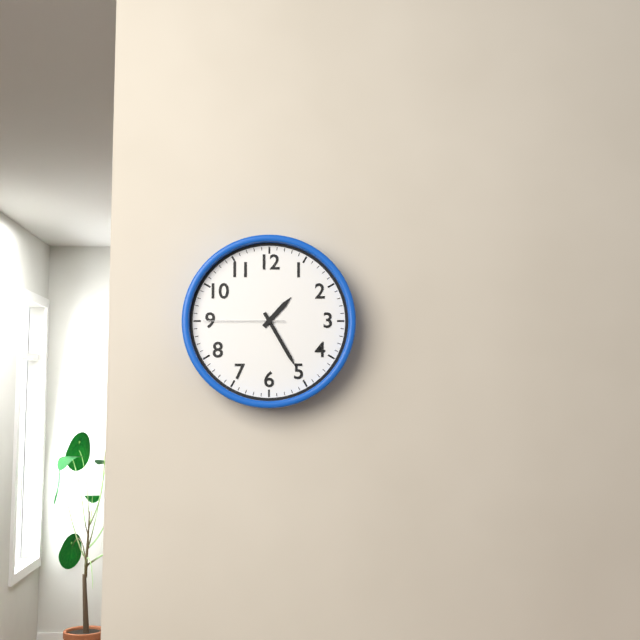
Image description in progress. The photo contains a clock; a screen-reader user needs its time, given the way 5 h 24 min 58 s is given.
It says 1 h 25 min 45 s
